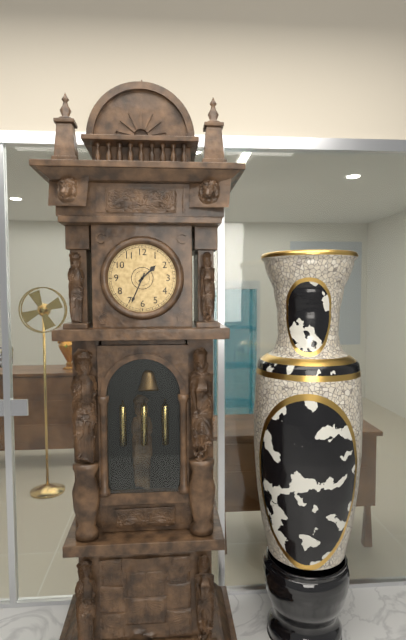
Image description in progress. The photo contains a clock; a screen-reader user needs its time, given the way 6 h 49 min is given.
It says 1 h 34 min
